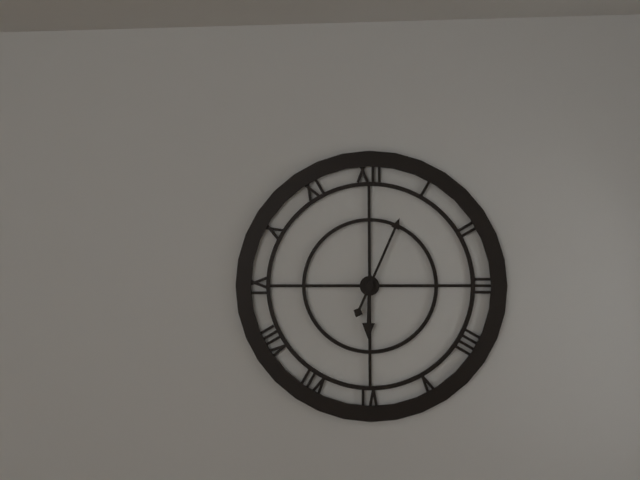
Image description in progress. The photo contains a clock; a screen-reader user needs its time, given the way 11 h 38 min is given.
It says 6 h 04 min
